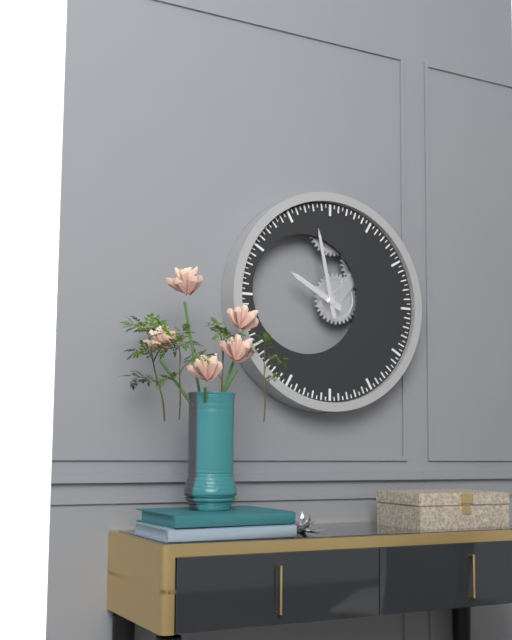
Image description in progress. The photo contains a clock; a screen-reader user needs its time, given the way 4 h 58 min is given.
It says 9 h 58 min
